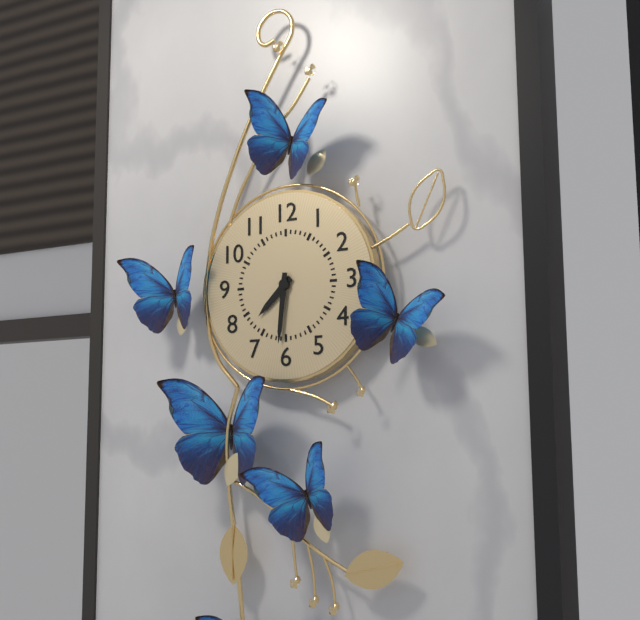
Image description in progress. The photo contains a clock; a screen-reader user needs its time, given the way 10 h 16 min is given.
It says 7 h 31 min
